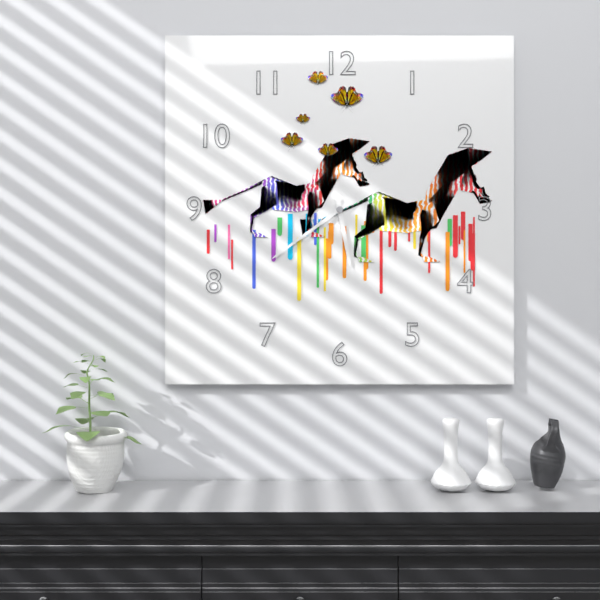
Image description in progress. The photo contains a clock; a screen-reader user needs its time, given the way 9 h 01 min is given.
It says 5 h 39 min
